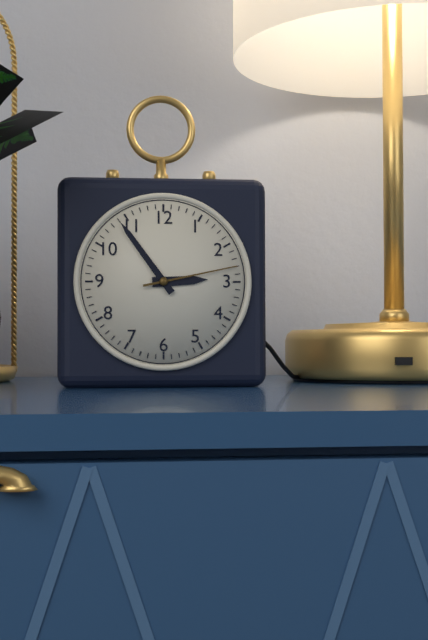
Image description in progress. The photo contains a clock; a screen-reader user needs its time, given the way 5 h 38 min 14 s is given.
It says 2 h 54 min 13 s
